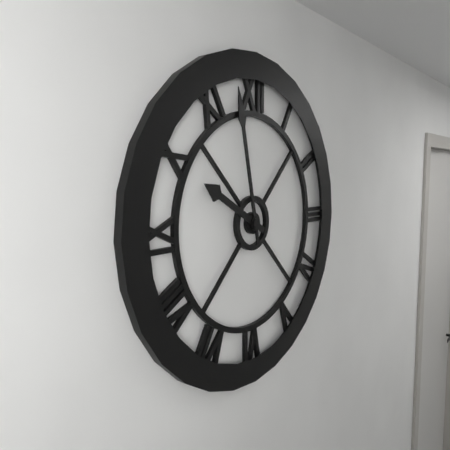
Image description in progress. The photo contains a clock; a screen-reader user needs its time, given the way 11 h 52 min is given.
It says 9 h 58 min
